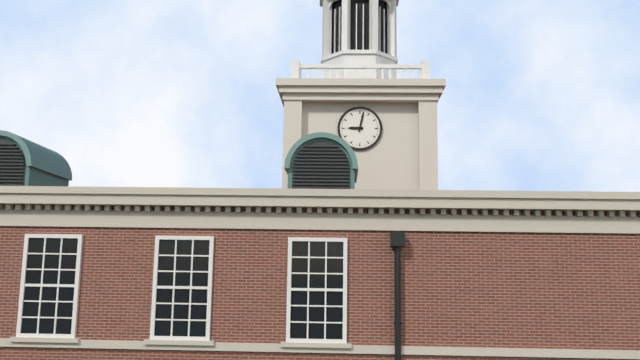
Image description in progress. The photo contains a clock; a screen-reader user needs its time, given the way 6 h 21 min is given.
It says 9 h 02 min
